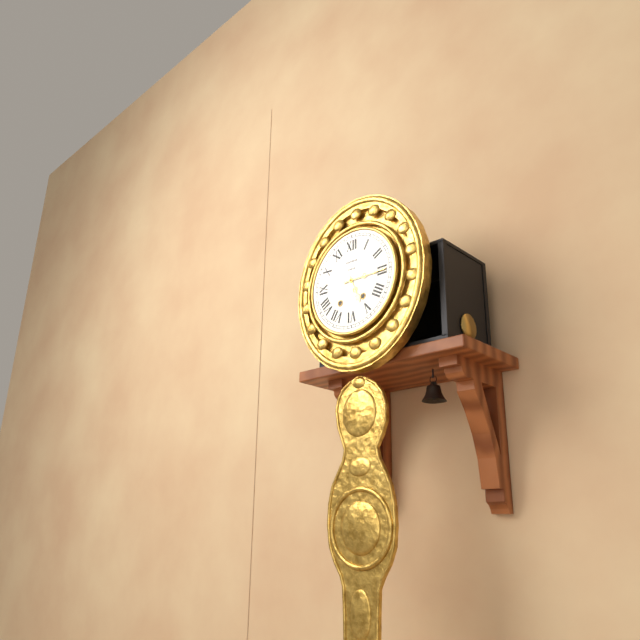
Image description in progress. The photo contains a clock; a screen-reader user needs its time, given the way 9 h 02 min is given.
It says 5 h 15 min
